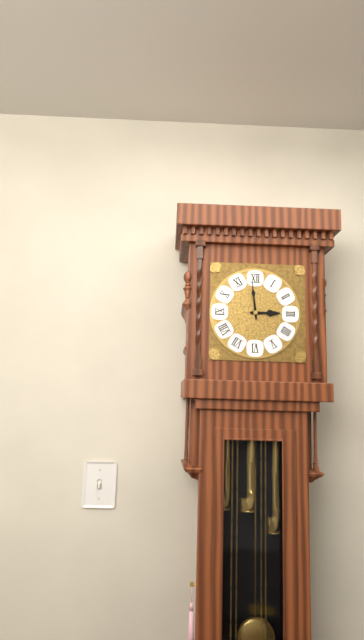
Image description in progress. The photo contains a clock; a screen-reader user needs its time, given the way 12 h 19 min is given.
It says 2 h 59 min
